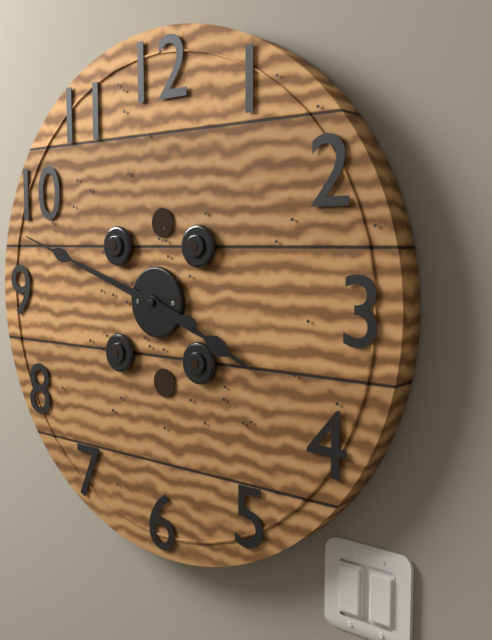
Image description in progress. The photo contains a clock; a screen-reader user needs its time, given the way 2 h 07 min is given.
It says 3 h 48 min
